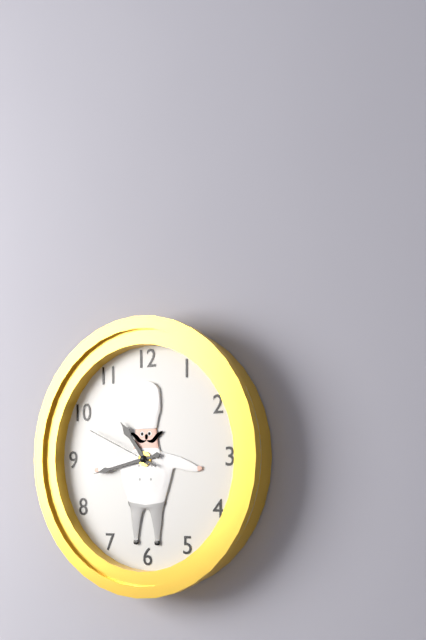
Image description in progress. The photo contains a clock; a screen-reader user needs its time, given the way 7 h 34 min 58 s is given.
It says 10 h 43 min 49 s
